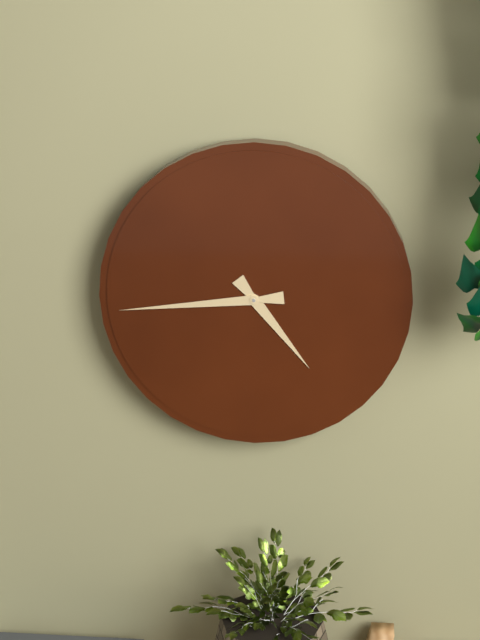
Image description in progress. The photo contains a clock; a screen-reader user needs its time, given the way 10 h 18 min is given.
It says 4 h 44 min
